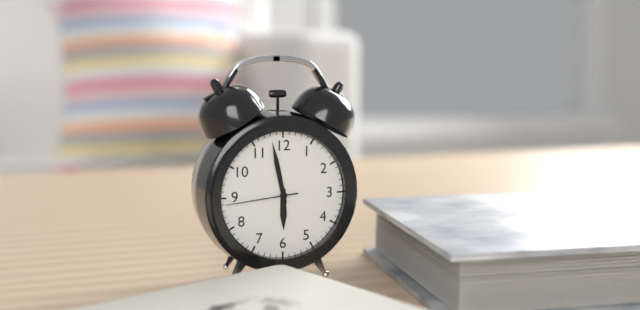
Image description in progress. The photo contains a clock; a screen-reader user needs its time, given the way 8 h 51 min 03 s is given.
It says 5 h 58 min 44 s
